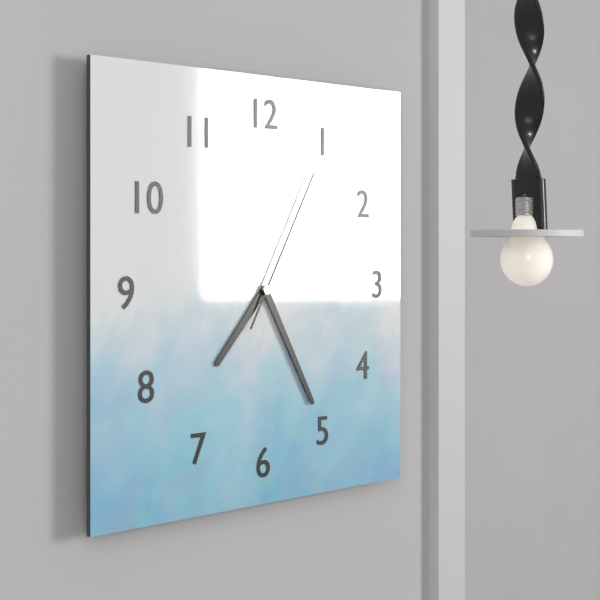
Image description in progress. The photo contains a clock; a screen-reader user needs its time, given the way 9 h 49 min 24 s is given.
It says 7 h 25 min 05 s
